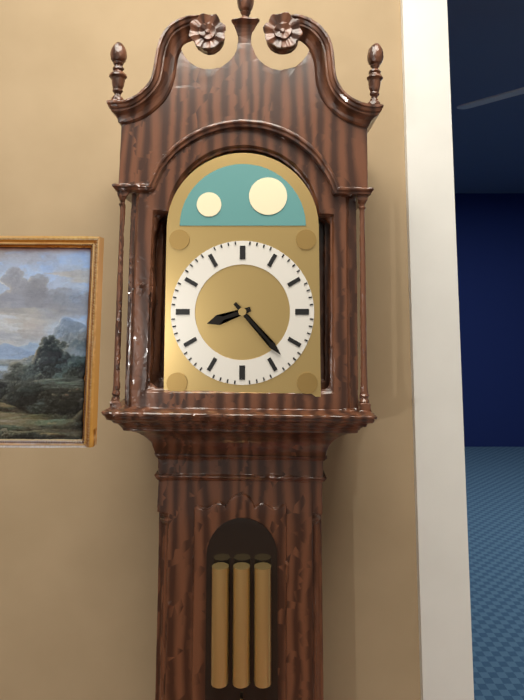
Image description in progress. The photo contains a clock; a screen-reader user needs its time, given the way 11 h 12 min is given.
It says 8 h 23 min
